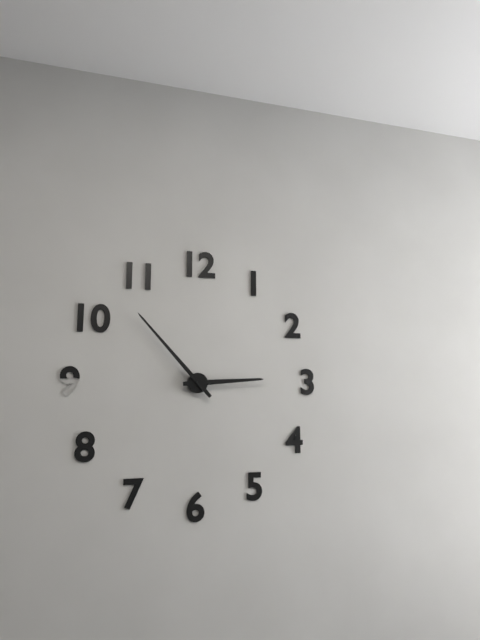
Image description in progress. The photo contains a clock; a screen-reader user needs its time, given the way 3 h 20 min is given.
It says 2 h 53 min
